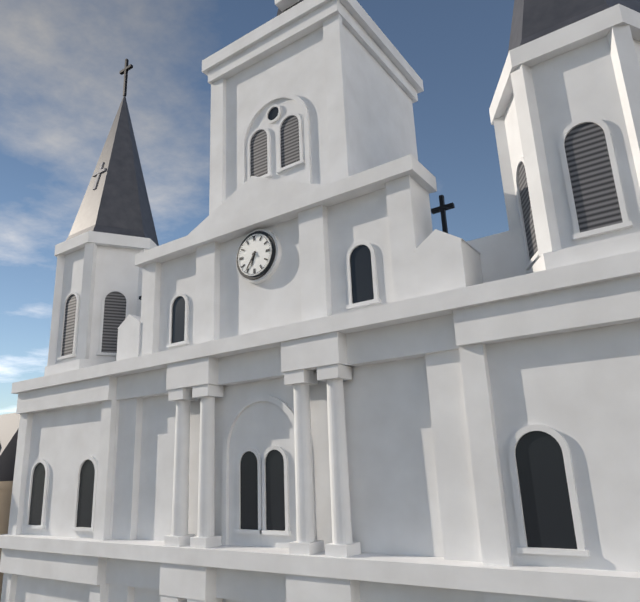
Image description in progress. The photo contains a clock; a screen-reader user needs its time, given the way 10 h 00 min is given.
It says 6 h 36 min
